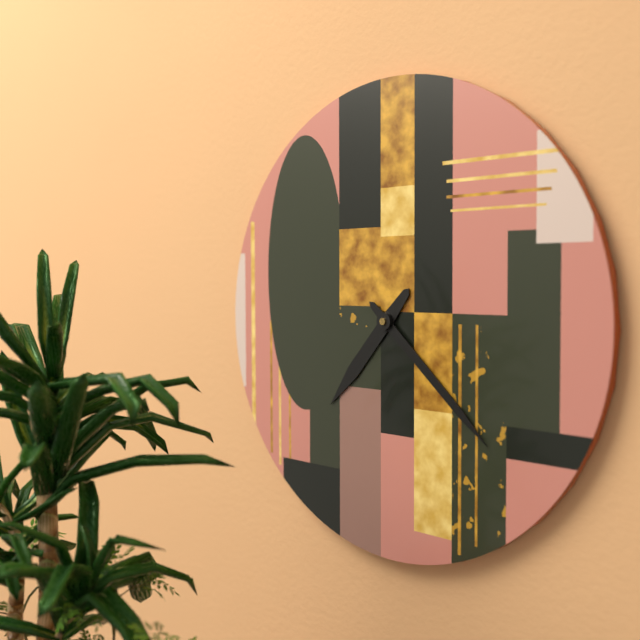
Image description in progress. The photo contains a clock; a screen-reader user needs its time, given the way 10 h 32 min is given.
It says 7 h 22 min
